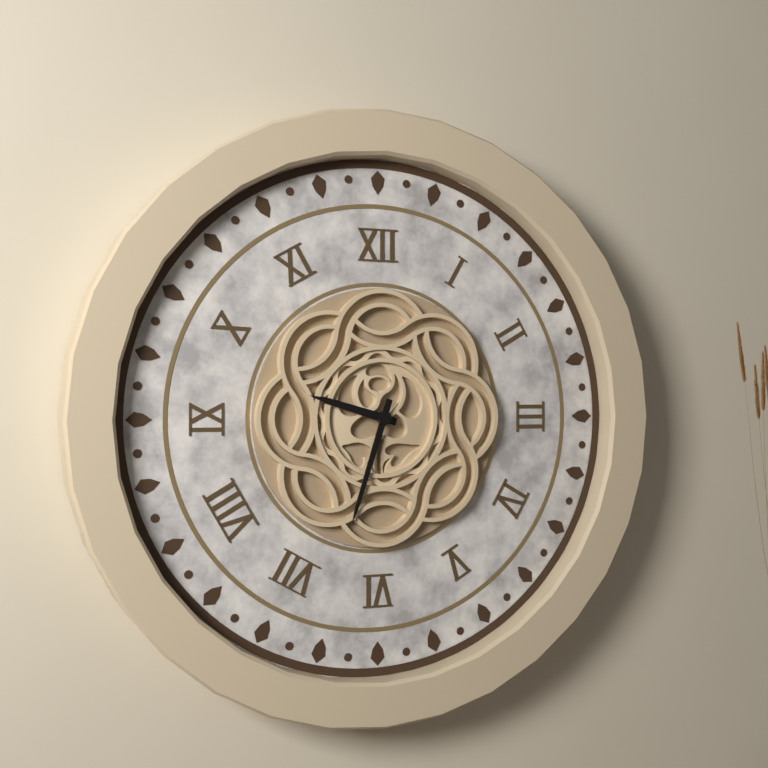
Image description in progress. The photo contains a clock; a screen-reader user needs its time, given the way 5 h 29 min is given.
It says 9 h 33 min
